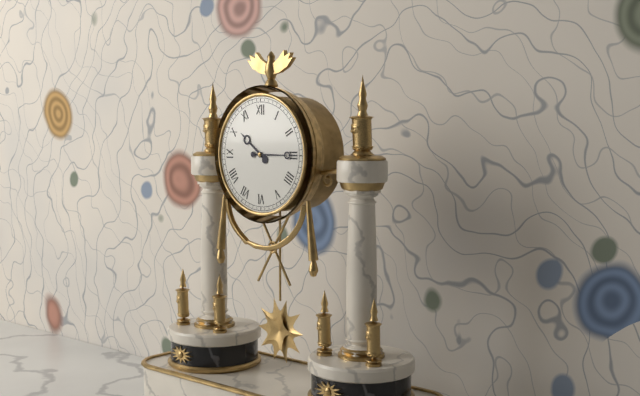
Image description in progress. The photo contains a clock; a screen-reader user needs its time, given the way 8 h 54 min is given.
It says 10 h 15 min
